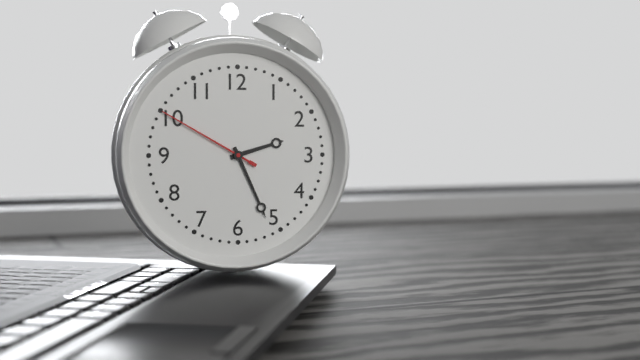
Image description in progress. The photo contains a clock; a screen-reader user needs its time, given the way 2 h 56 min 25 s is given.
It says 2 h 26 min 50 s
